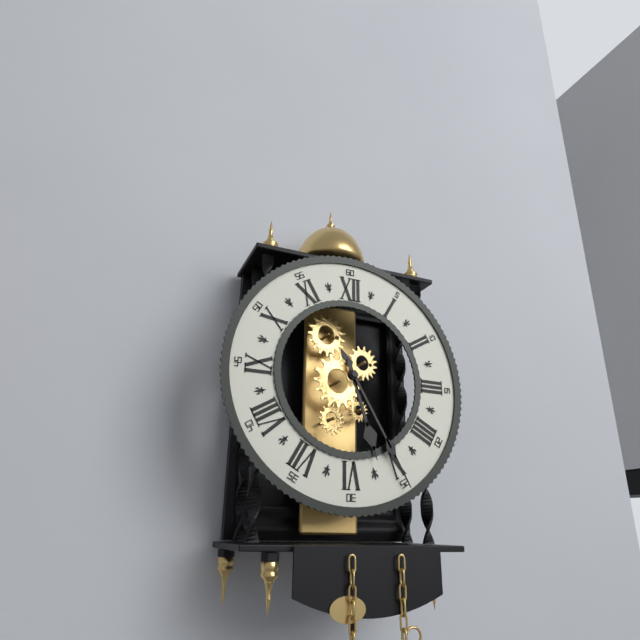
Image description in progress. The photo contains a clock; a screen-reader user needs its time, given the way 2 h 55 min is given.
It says 5 h 25 min
